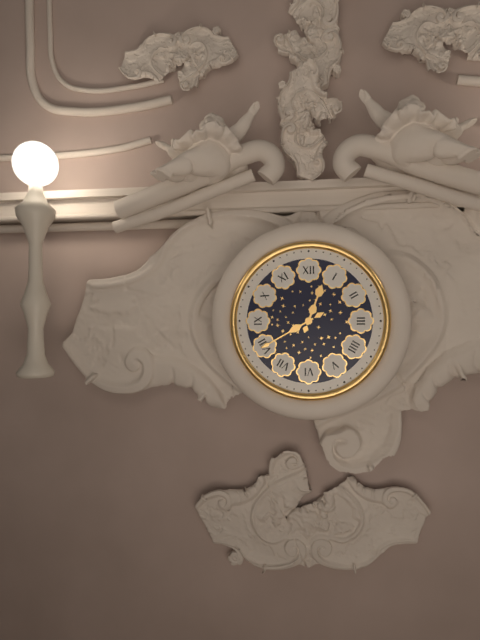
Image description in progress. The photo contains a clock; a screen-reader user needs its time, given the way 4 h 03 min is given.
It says 12 h 40 min
